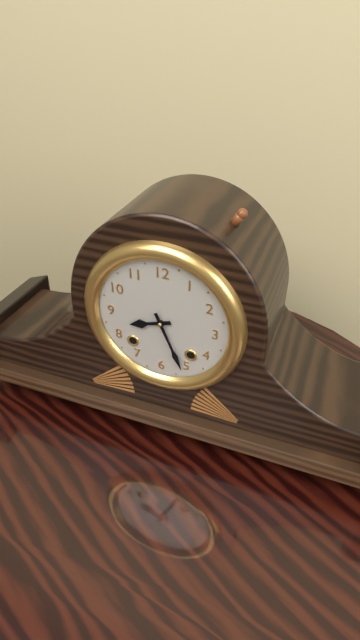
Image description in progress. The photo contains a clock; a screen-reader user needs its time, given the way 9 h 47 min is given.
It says 8 h 26 min
